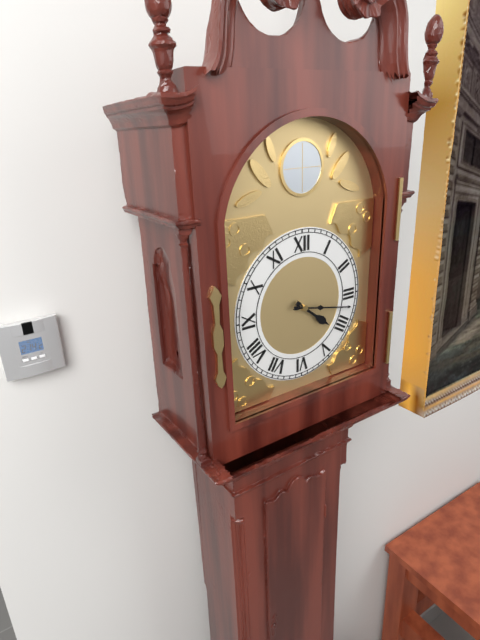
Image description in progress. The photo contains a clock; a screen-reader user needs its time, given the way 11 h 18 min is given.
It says 4 h 17 min
